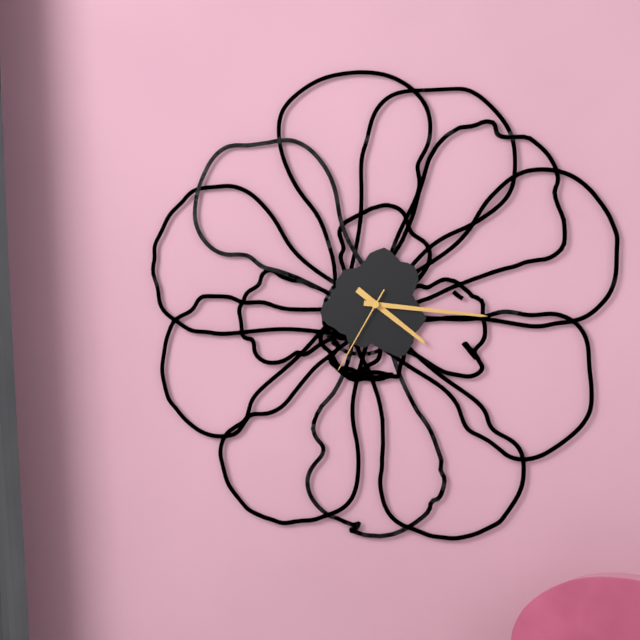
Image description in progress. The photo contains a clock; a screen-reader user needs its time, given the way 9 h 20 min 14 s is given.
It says 4 h 16 min 35 s
